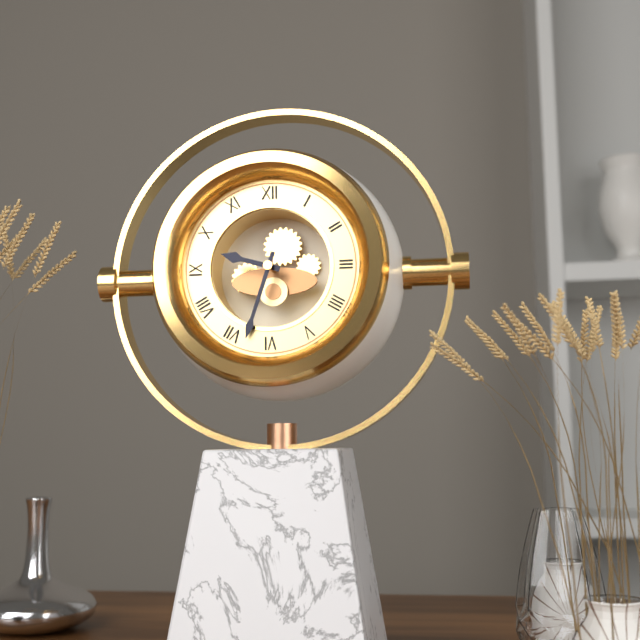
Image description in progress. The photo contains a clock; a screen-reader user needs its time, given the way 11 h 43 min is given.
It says 9 h 33 min
